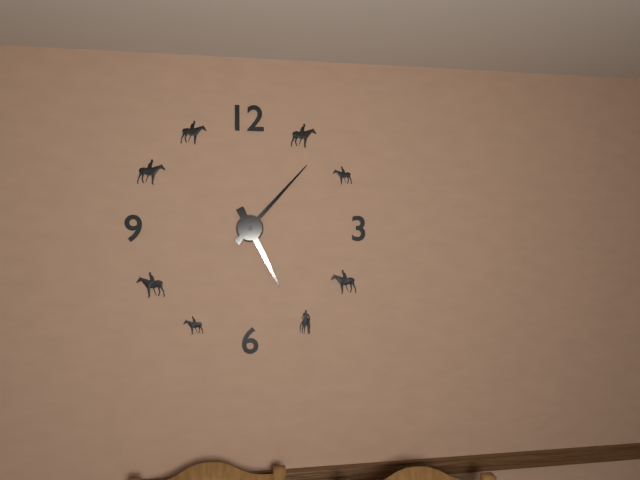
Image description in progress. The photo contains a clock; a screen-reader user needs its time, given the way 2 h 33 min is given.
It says 5 h 07 min
